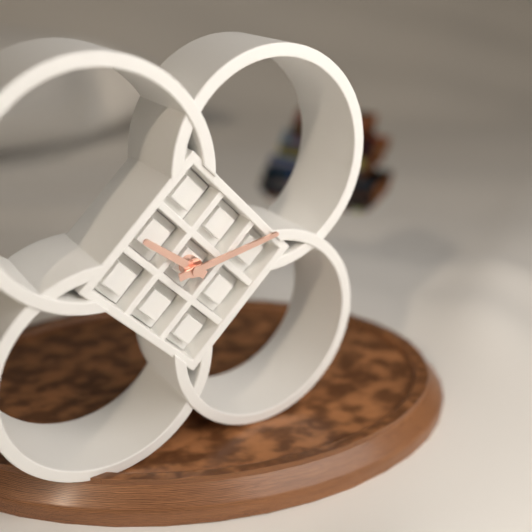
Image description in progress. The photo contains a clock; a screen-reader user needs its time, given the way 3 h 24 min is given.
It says 10 h 13 min
